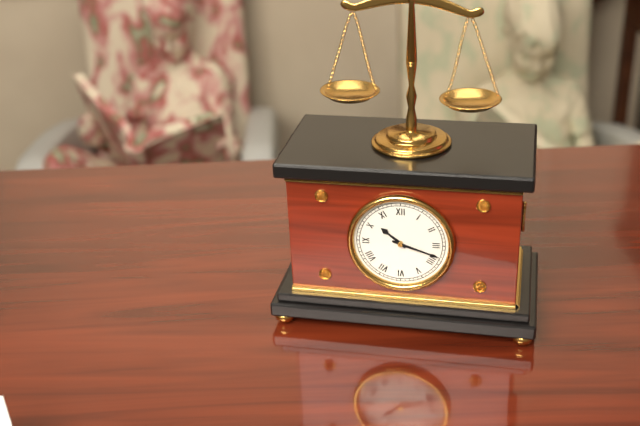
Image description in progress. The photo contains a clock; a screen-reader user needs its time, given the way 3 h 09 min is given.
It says 10 h 18 min
